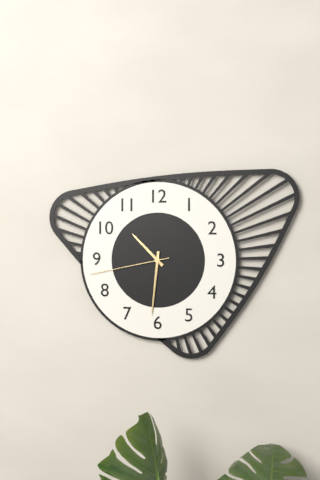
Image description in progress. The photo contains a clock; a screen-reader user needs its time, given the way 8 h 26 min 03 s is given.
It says 10 h 31 min 43 s
